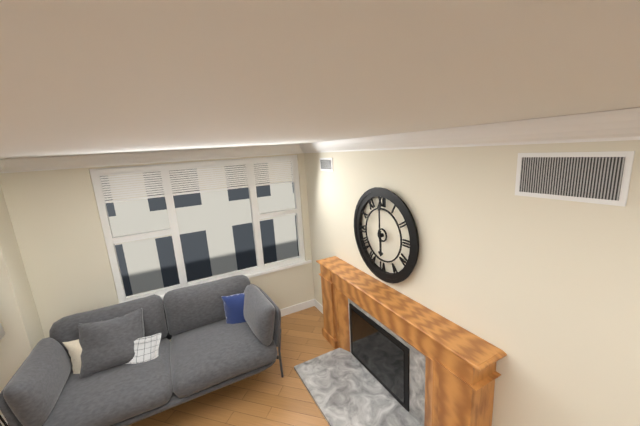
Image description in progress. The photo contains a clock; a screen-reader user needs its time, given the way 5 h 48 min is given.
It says 6 h 00 min
